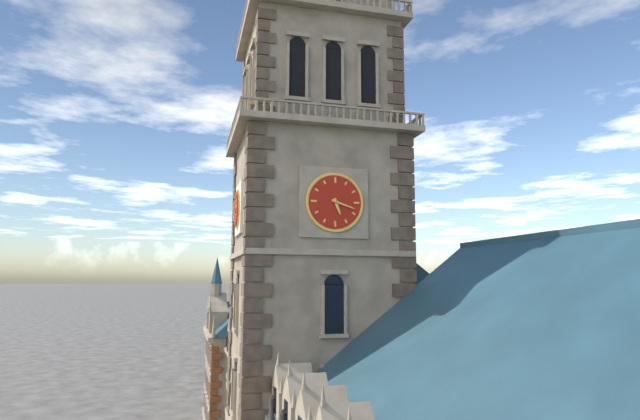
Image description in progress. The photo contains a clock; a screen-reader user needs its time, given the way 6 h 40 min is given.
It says 5 h 18 min
